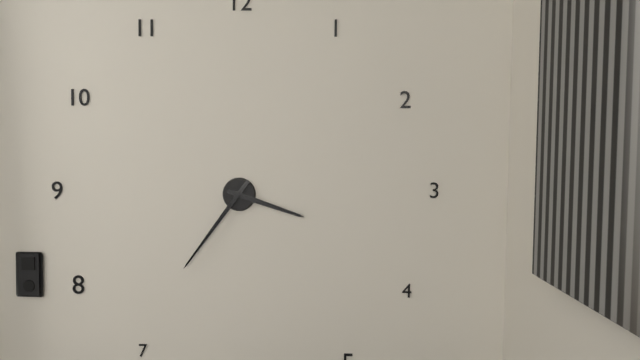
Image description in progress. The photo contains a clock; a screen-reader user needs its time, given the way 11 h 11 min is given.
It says 3 h 36 min
